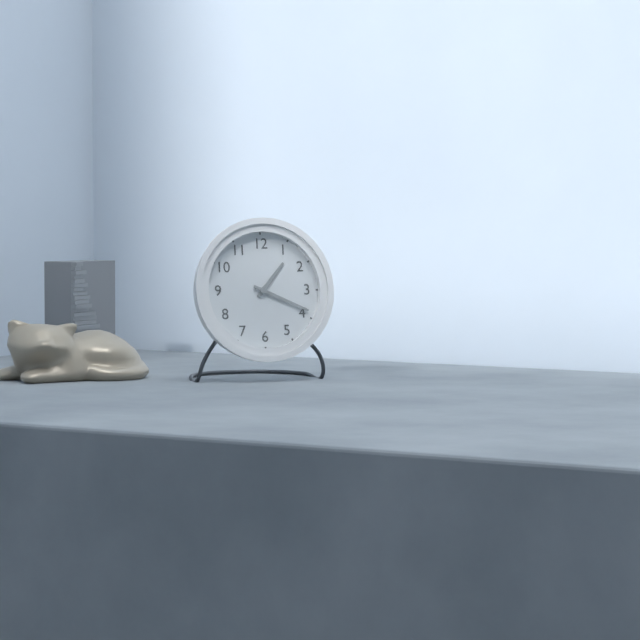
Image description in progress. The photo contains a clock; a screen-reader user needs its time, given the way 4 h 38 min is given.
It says 1 h 19 min
